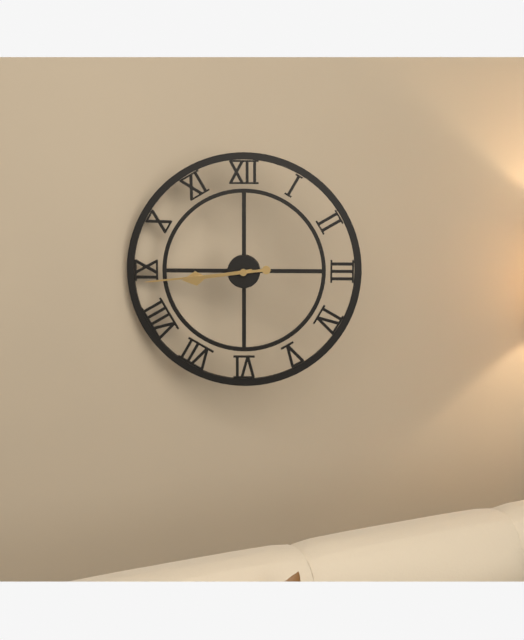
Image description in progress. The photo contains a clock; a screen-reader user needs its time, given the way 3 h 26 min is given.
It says 8 h 44 min
